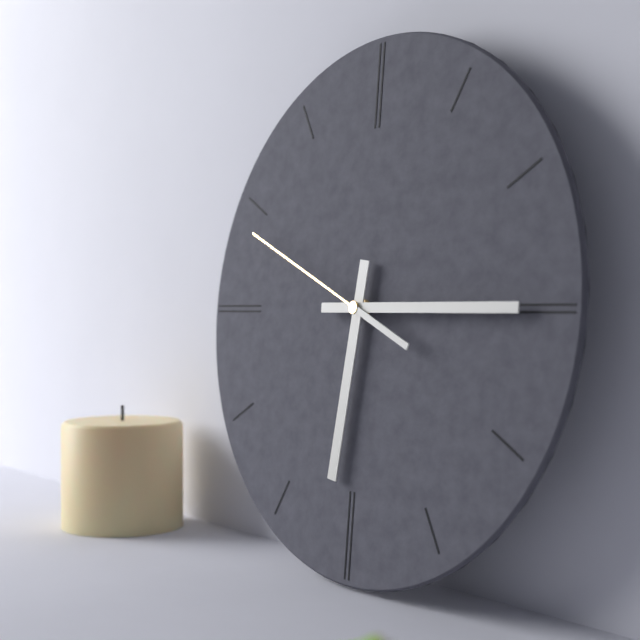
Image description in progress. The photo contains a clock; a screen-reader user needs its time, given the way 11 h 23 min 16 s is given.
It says 6 h 15 min 49 s
